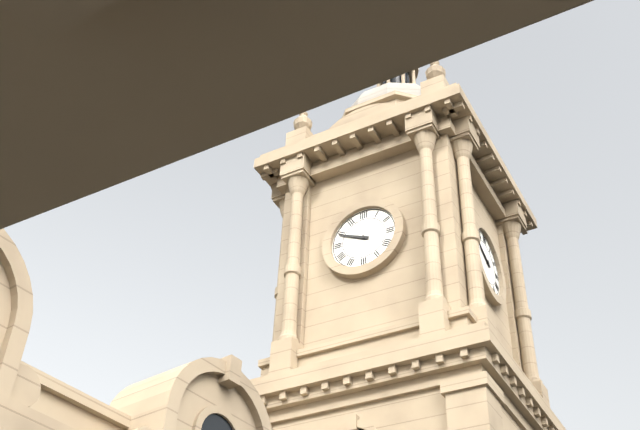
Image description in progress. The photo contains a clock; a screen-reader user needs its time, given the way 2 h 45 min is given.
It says 9 h 49 min
